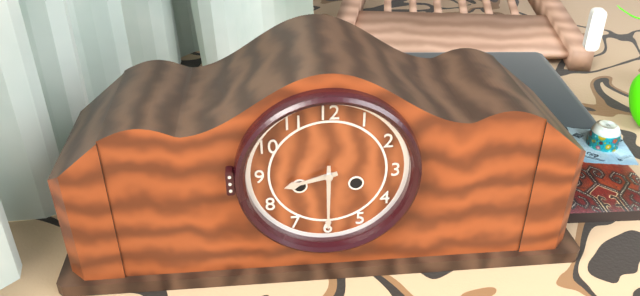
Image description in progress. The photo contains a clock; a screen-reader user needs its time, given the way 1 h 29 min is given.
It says 8 h 30 min
